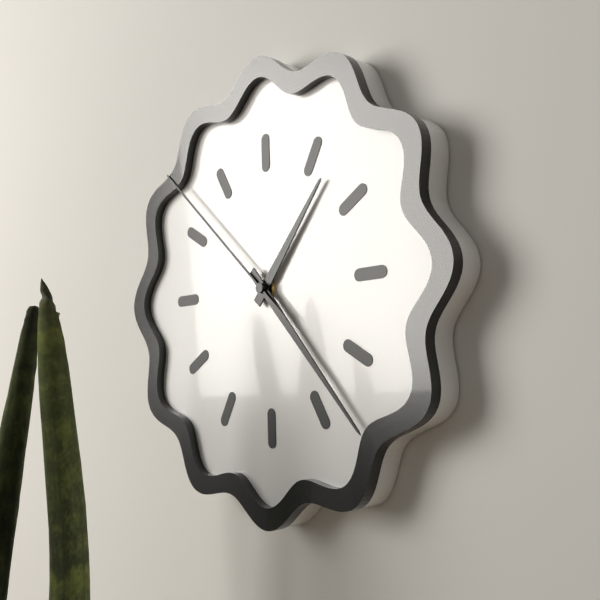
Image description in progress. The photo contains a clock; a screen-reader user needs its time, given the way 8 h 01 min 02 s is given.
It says 1 h 23 min 52 s
